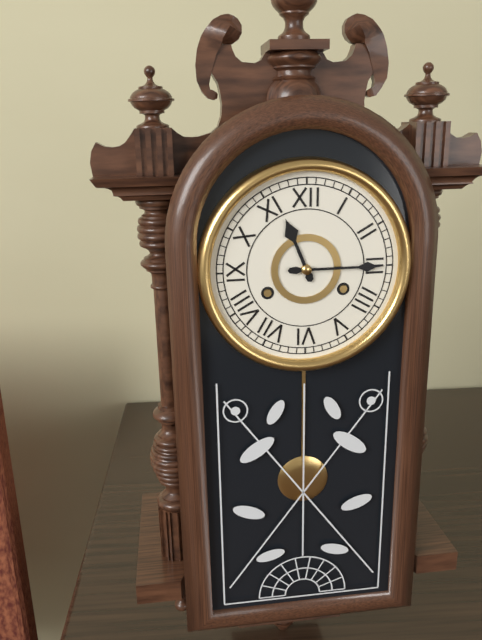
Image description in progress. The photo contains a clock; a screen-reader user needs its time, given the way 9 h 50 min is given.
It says 11 h 15 min
